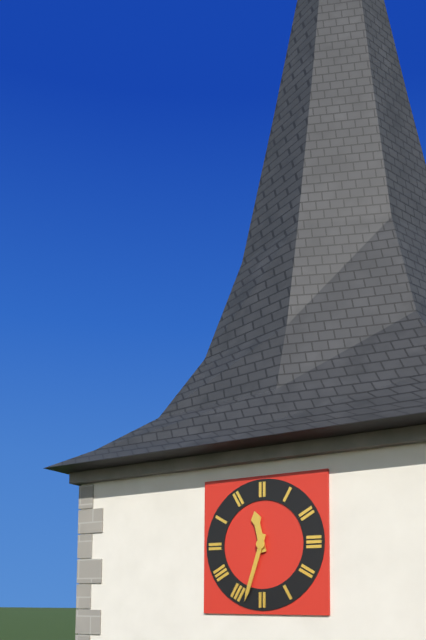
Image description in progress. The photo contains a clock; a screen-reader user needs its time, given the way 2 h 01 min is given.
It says 11 h 33 min
